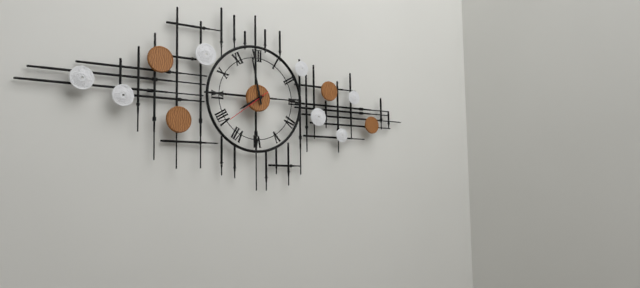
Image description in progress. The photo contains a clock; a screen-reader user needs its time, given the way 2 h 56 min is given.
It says 7 h 58 min
